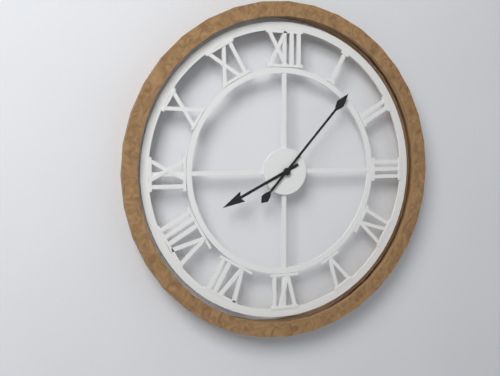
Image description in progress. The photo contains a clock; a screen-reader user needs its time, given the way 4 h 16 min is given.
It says 8 h 07 min
